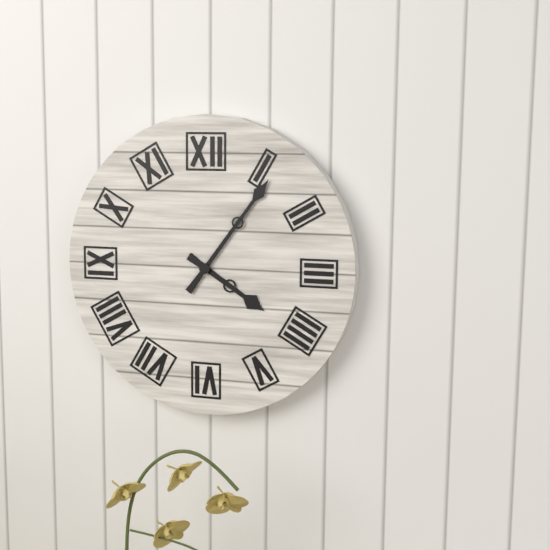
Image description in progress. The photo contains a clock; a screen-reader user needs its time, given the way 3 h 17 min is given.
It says 4 h 06 min
